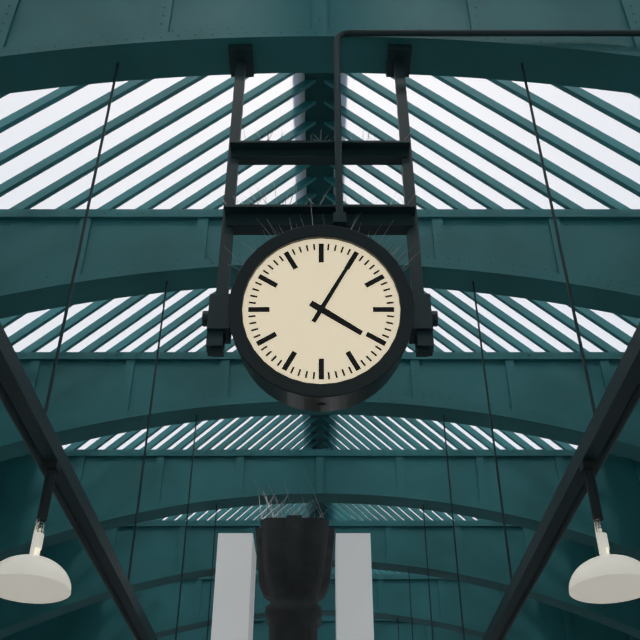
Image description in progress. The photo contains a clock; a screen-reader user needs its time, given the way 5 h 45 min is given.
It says 4 h 05 min
